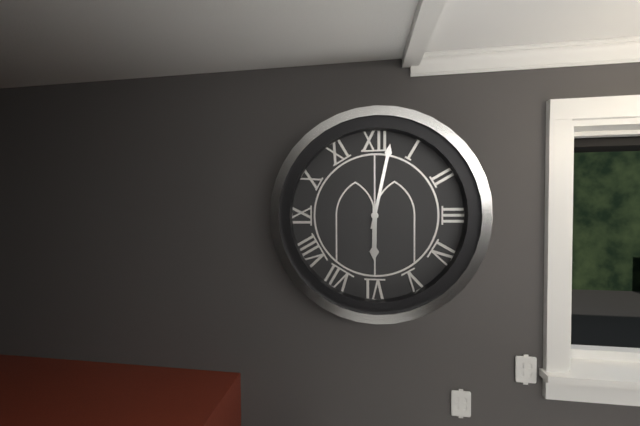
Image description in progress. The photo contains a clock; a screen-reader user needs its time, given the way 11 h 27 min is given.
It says 6 h 02 min
